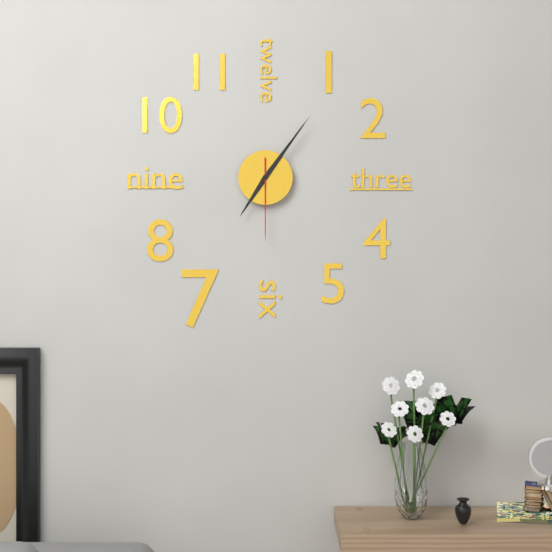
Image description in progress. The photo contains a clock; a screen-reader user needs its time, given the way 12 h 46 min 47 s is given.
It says 7 h 06 min 30 s
